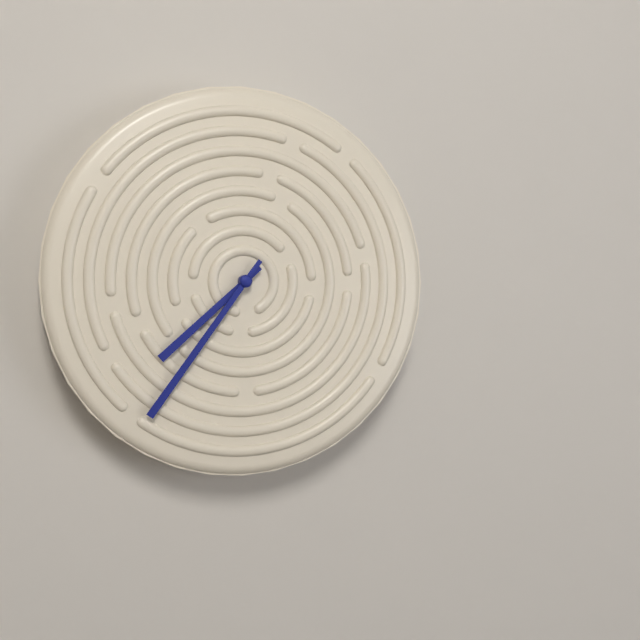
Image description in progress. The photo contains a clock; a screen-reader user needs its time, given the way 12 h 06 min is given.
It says 7 h 36 min
